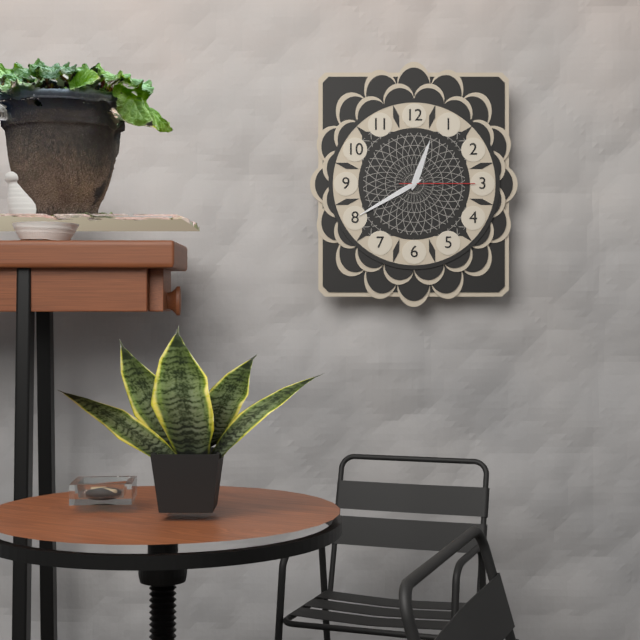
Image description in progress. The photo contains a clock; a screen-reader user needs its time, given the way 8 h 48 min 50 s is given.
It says 12 h 40 min 15 s
